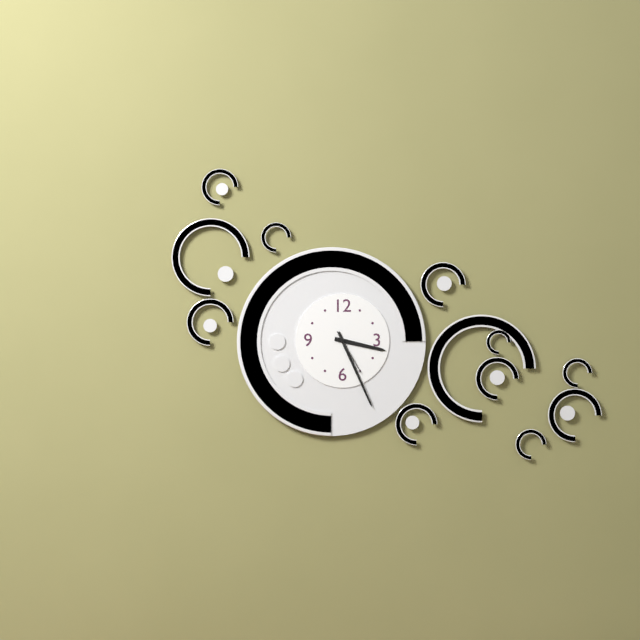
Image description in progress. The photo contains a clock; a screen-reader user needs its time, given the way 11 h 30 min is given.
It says 3 h 26 min
